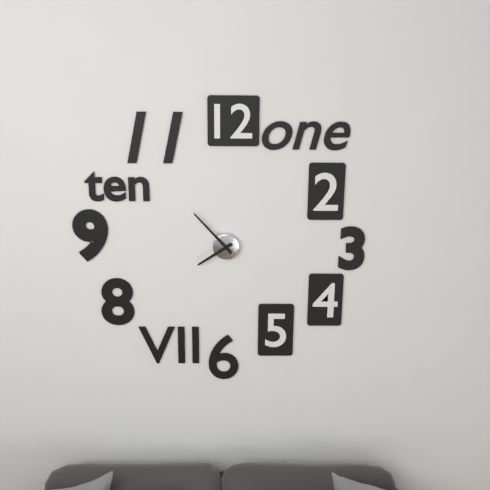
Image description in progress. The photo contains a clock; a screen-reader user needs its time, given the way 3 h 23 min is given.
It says 7 h 53 min
